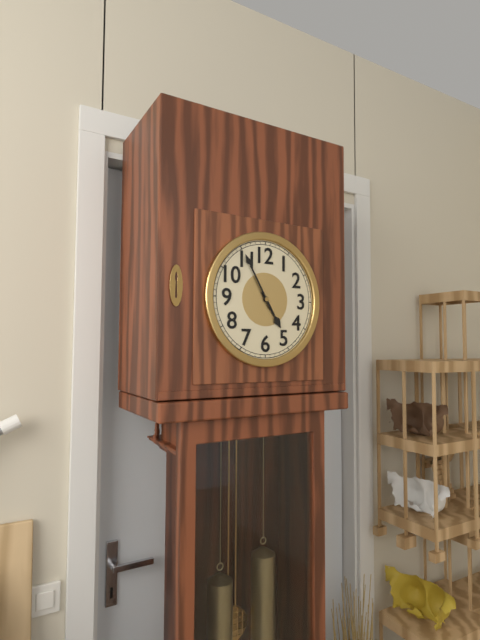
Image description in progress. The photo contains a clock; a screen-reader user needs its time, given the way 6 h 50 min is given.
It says 4 h 55 min
